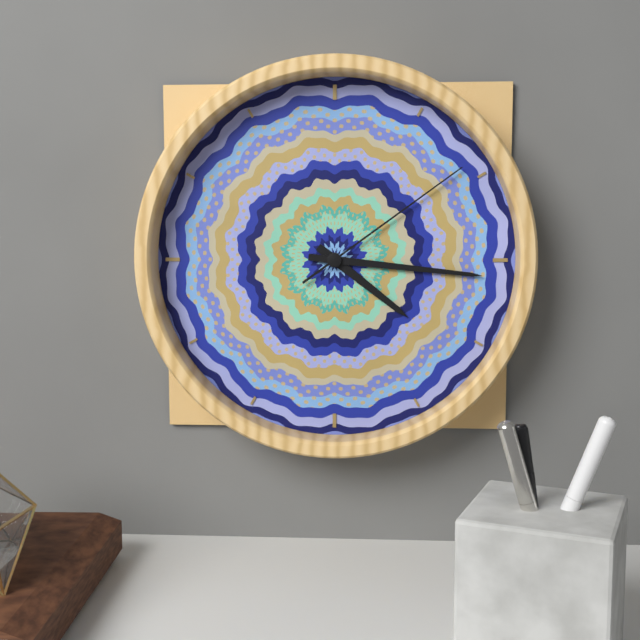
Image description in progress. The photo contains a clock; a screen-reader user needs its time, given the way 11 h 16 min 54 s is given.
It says 4 h 16 min 09 s
